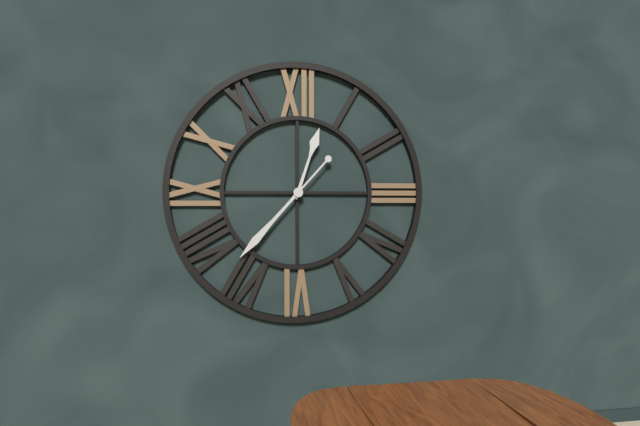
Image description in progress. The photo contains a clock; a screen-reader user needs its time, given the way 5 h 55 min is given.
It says 12 h 37 min
